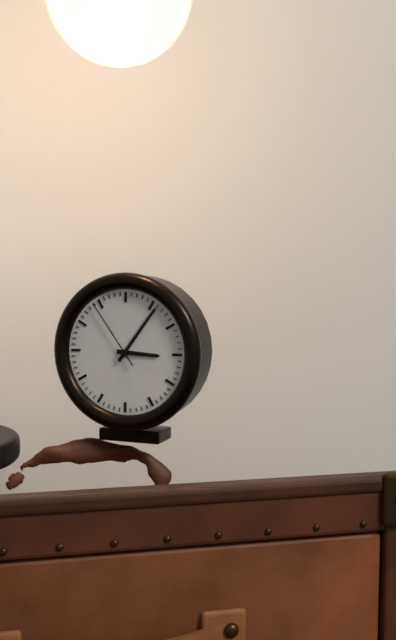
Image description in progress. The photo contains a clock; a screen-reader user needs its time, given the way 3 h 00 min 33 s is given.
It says 3 h 06 min 54 s
